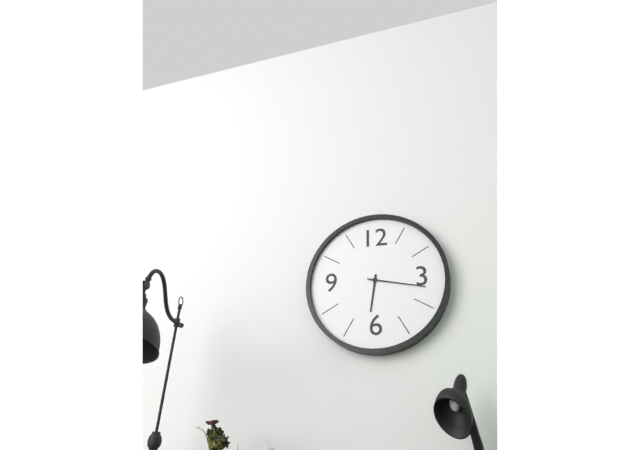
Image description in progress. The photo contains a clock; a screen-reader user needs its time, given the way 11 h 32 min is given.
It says 6 h 17 min
